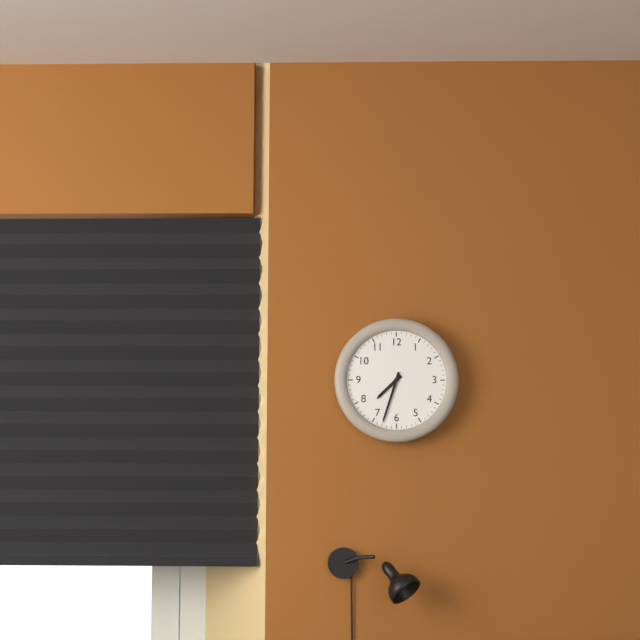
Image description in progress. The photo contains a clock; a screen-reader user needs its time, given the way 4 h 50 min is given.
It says 7 h 33 min
